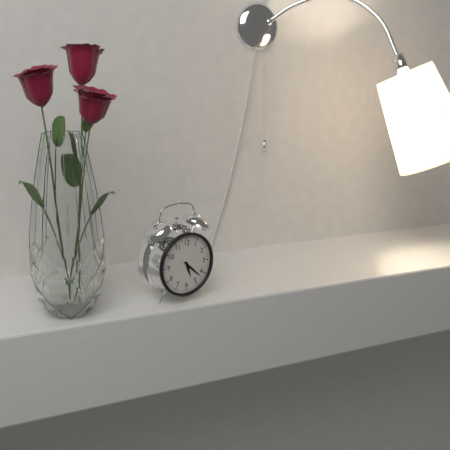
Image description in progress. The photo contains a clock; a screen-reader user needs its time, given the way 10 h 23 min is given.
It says 5 h 22 min
